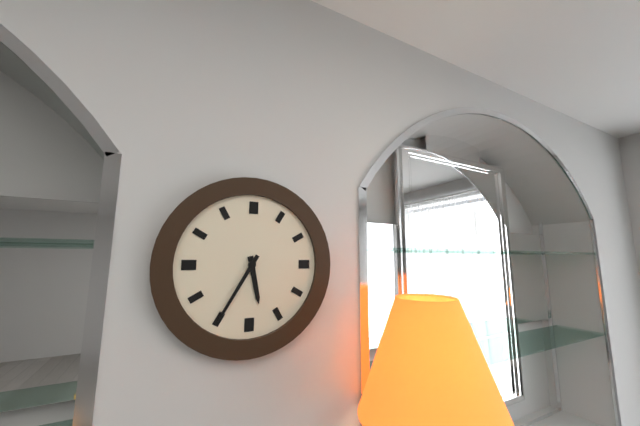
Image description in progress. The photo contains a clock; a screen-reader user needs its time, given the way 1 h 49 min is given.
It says 5 h 35 min
